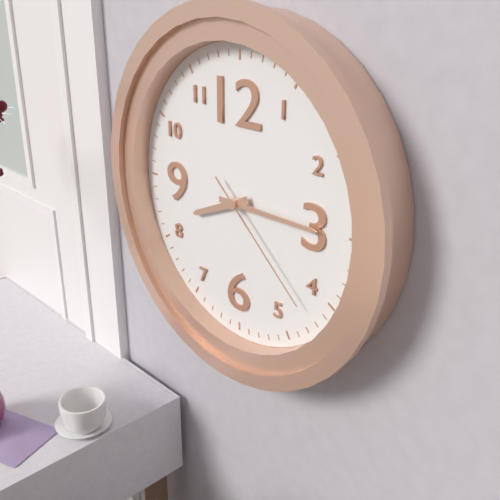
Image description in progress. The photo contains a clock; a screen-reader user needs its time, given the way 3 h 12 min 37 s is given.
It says 8 h 15 min 22 s
